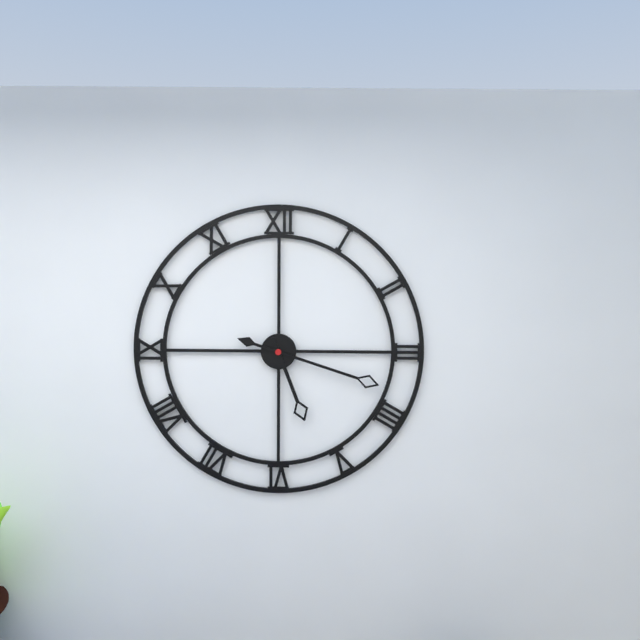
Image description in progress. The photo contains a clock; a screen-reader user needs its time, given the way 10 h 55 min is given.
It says 5 h 18 min
